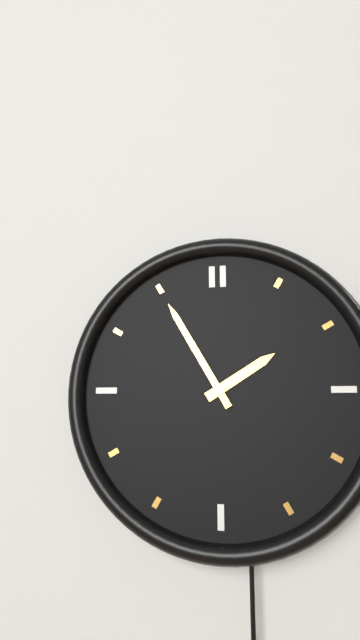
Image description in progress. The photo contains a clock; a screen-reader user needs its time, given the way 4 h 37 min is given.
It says 1 h 55 min
